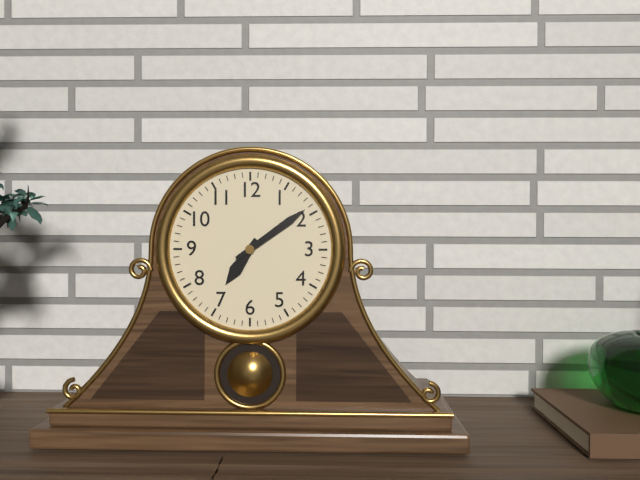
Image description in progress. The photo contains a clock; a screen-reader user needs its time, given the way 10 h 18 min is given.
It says 7 h 09 min
